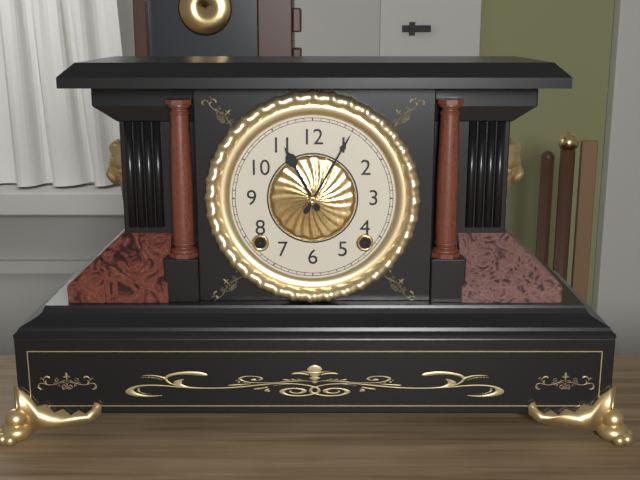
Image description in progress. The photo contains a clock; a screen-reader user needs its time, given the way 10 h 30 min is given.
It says 11 h 05 min
